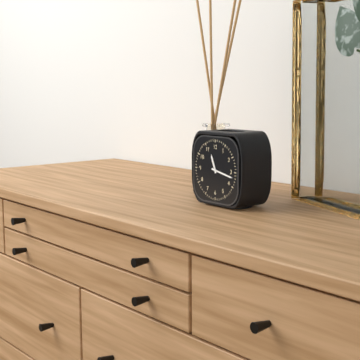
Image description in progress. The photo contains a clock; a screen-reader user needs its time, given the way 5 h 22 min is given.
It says 11 h 17 min
